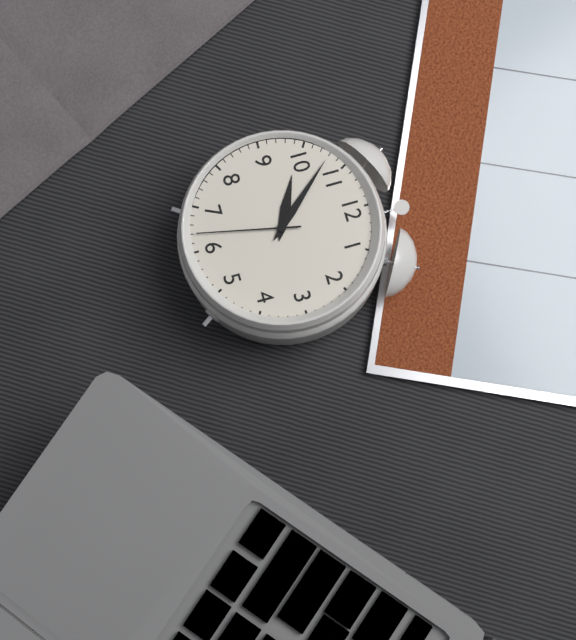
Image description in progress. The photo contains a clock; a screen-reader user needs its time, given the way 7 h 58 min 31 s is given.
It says 9 h 53 min 32 s
